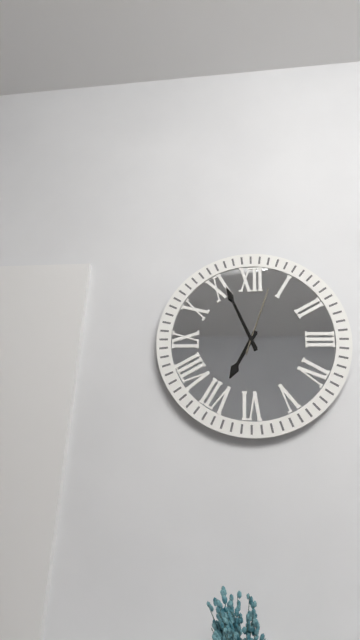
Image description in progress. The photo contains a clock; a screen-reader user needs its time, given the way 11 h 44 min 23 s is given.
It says 6 h 56 min 03 s
